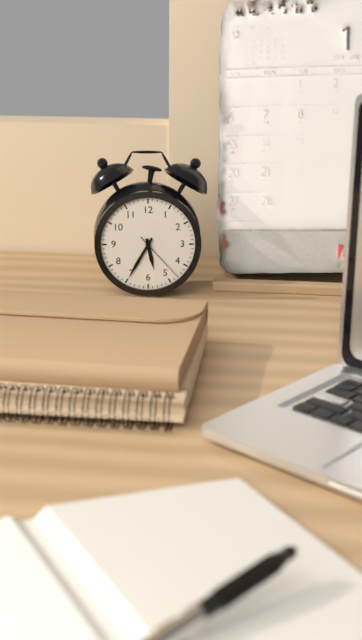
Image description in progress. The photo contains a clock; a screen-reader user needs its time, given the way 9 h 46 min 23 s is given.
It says 5 h 35 min 23 s
